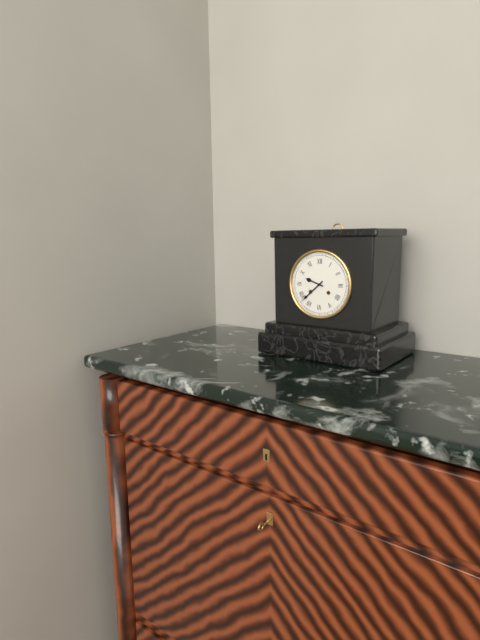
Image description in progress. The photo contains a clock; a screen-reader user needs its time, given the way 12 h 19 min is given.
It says 9 h 38 min
